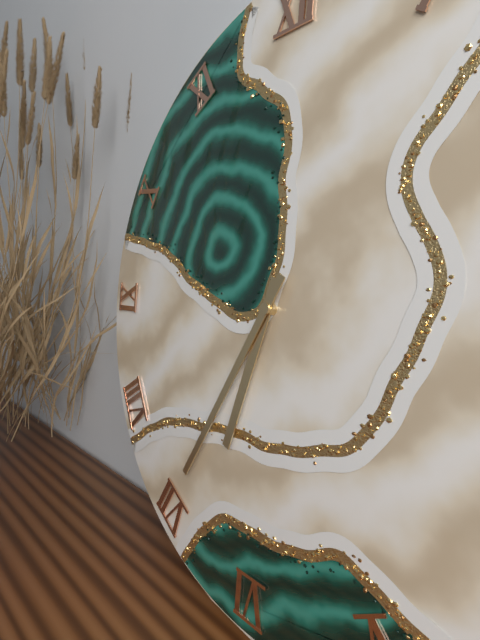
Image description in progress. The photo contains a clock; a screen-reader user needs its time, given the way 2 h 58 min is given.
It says 6 h 35 min
